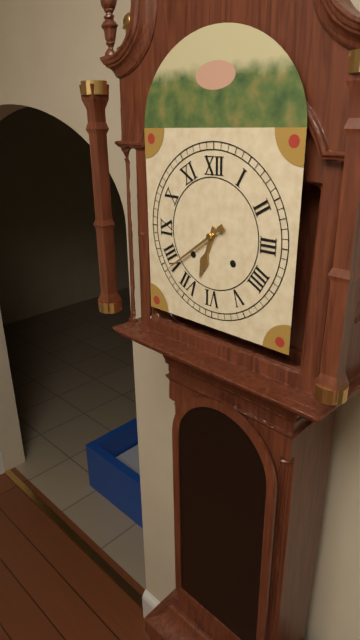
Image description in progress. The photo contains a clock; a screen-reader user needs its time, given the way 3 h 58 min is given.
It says 6 h 39 min
